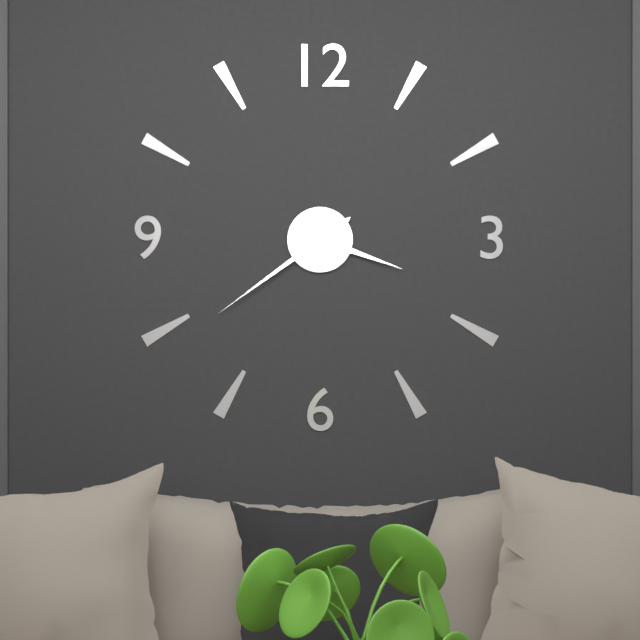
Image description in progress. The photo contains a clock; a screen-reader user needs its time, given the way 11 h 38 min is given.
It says 3 h 39 min
